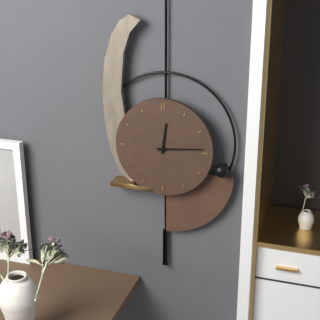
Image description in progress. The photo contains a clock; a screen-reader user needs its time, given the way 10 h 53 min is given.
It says 12 h 14 min
